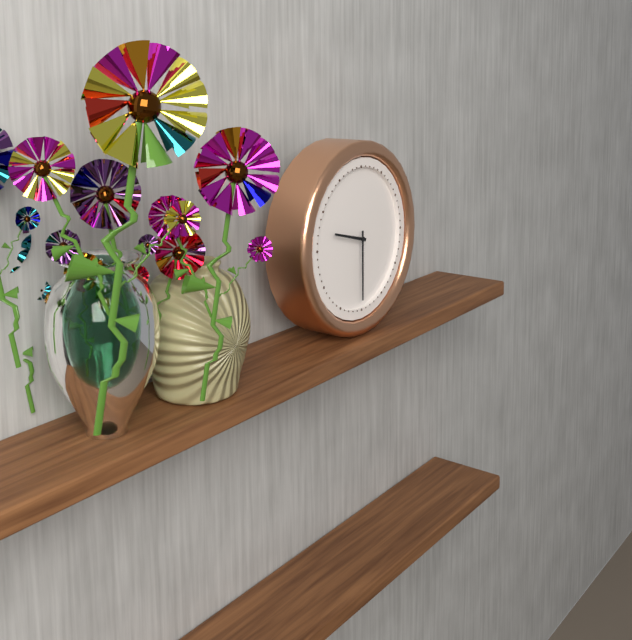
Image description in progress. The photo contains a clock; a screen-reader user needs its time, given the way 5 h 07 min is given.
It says 9 h 30 min
